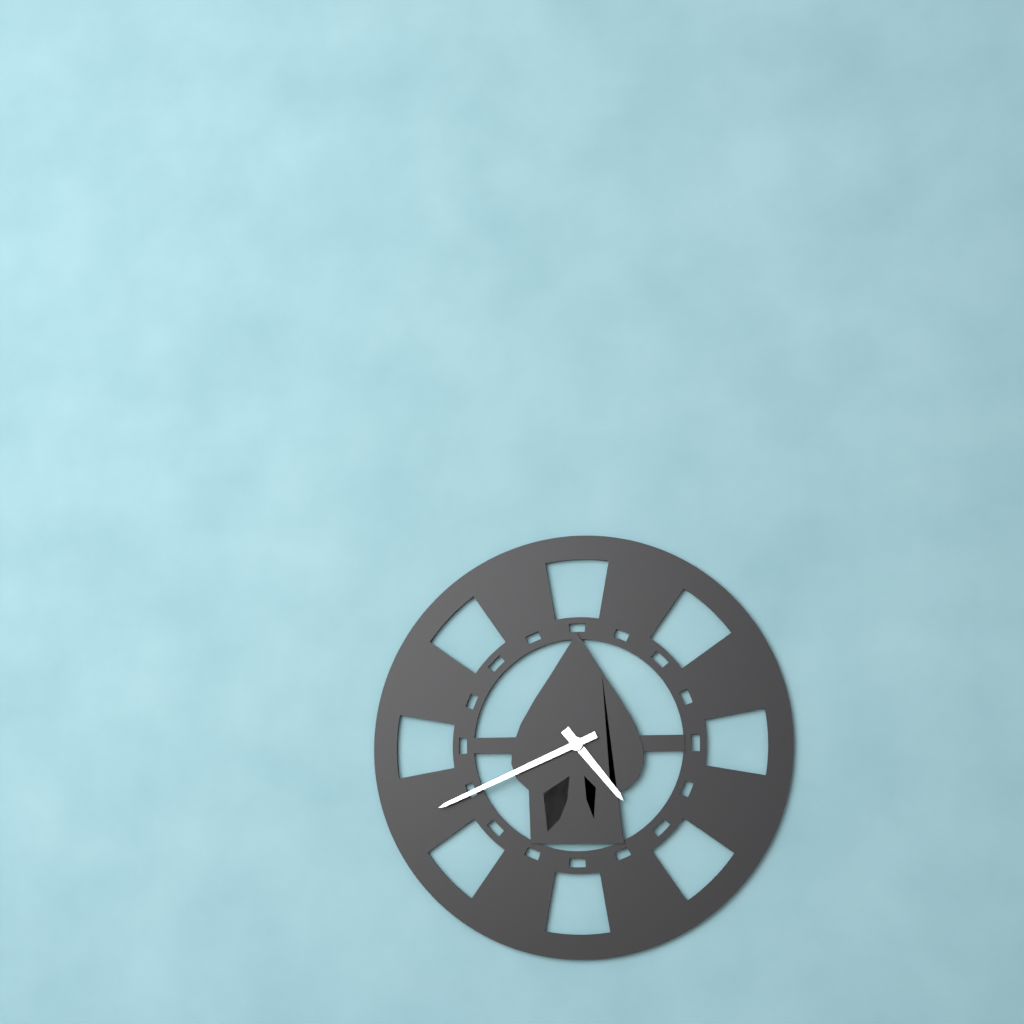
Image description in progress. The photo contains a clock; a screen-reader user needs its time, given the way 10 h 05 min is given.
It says 4 h 41 min
